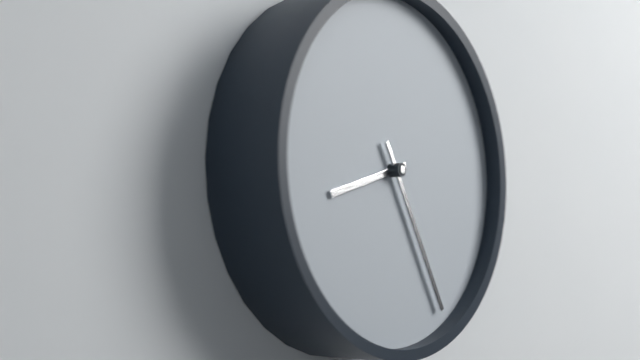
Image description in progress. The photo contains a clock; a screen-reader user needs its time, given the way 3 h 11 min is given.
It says 8 h 25 min
